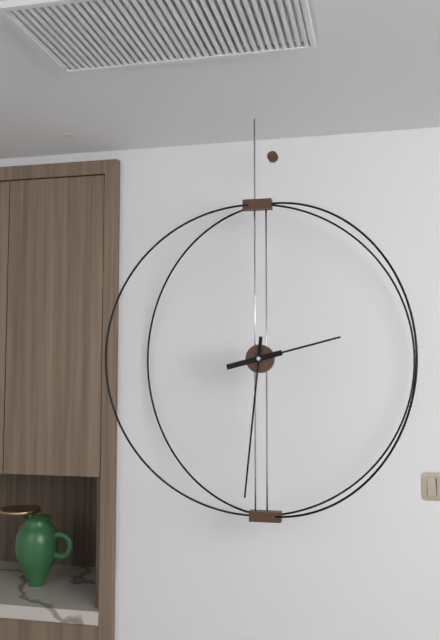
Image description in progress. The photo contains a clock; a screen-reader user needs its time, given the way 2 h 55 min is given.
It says 2 h 31 min
